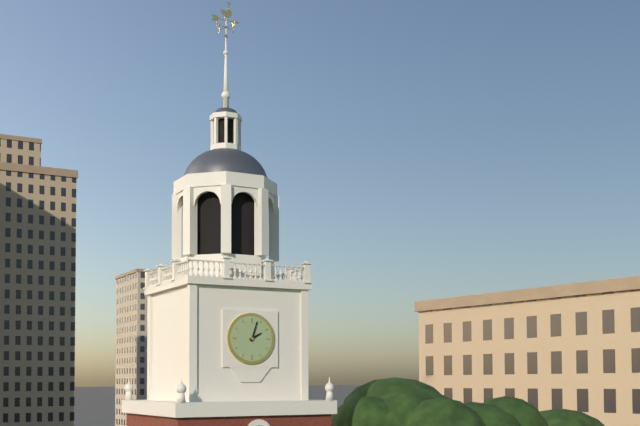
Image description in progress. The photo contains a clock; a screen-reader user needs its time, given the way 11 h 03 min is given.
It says 2 h 03 min
